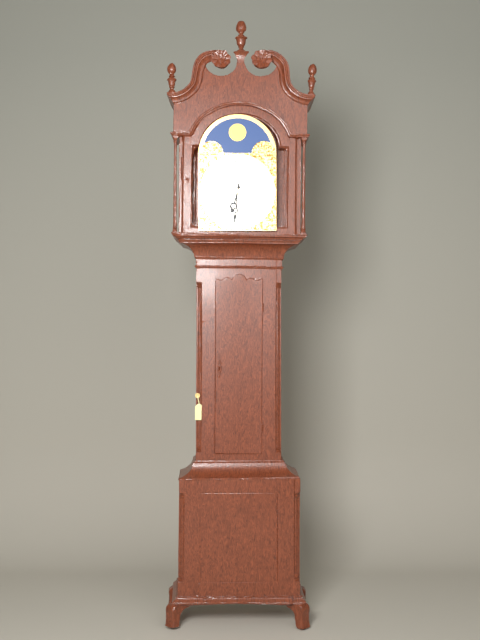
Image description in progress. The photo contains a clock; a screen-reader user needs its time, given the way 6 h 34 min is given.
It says 6 h 31 min
